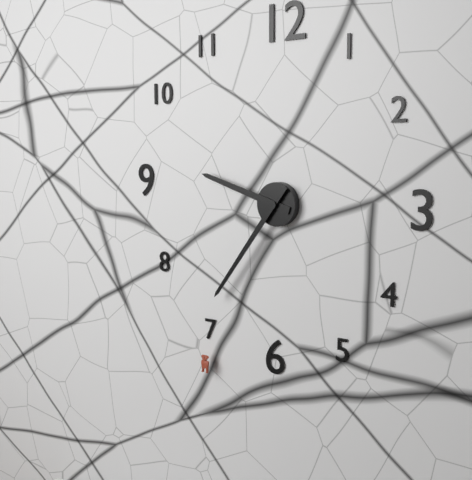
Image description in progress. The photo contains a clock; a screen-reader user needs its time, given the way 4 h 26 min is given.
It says 9 h 36 min
